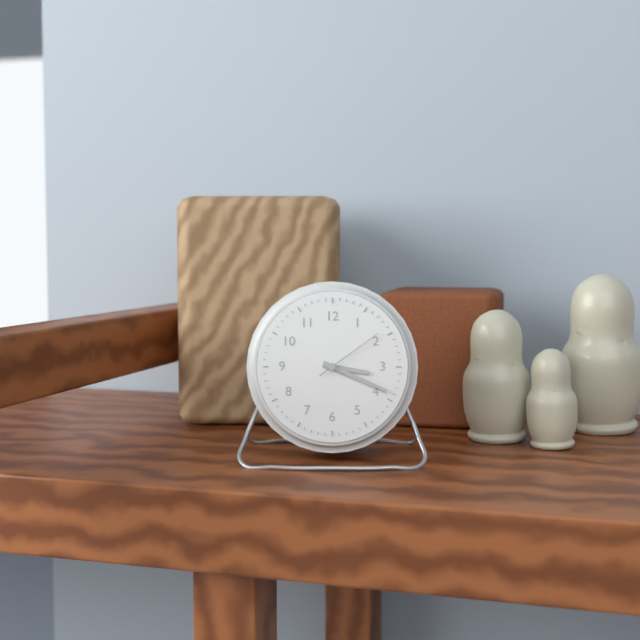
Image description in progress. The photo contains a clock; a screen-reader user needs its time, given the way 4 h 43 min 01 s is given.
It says 3 h 19 min 09 s
